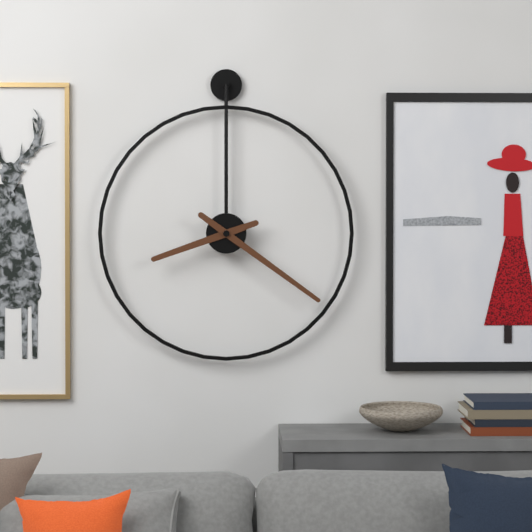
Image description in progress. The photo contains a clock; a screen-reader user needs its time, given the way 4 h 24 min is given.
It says 8 h 21 min
